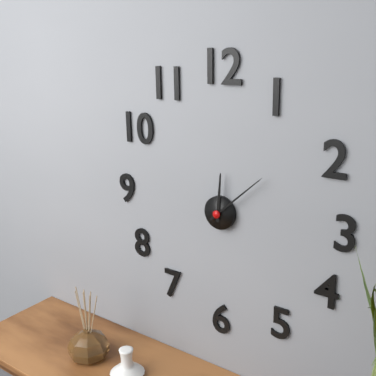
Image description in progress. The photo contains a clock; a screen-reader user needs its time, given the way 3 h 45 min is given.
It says 12 h 08 min
